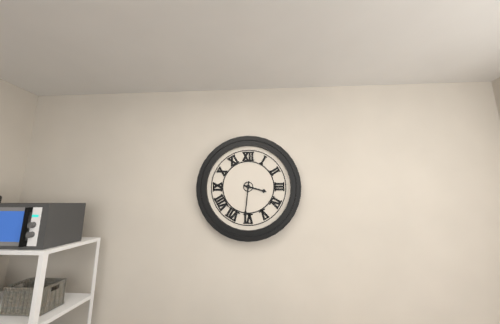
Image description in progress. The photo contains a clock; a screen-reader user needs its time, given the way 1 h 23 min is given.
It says 3 h 31 min
